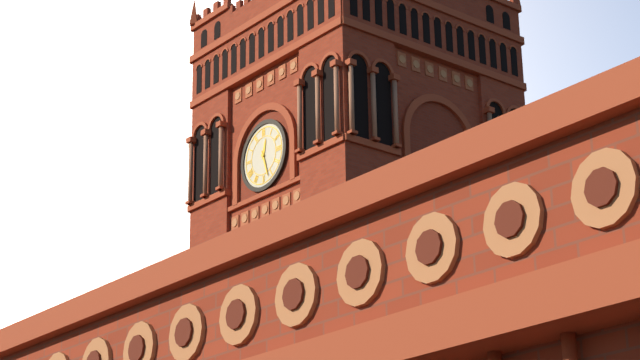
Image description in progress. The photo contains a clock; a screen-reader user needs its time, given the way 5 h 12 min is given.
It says 12 h 27 min
